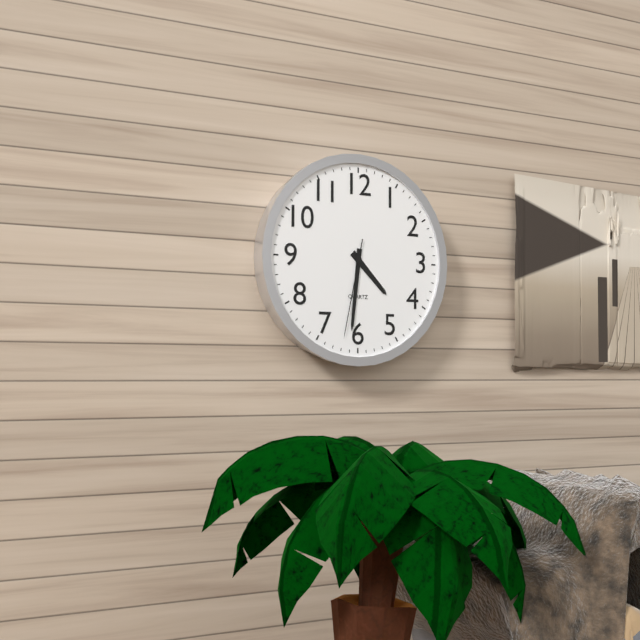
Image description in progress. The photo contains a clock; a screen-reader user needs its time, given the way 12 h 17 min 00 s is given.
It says 4 h 31 min 32 s
